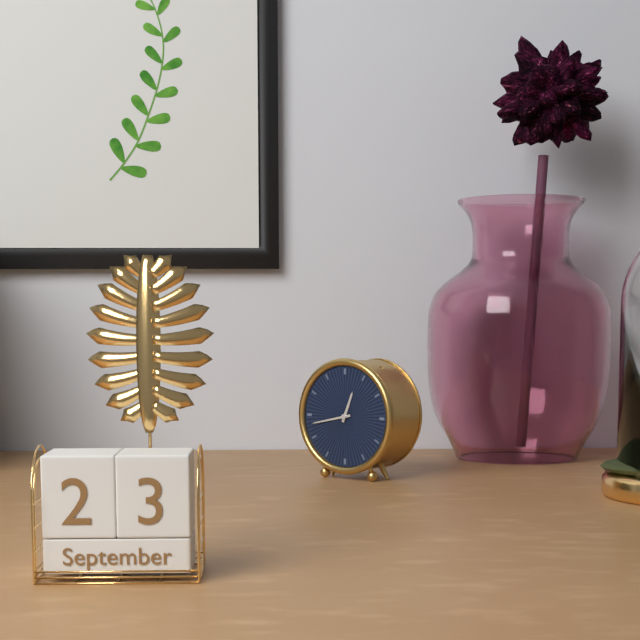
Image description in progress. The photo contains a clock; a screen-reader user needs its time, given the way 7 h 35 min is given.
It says 12 h 43 min
